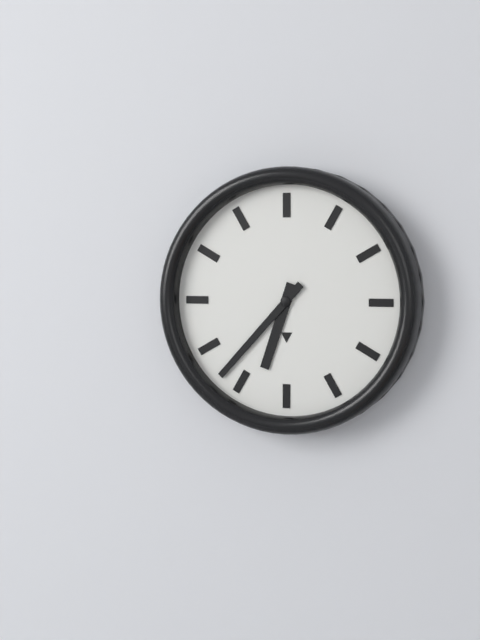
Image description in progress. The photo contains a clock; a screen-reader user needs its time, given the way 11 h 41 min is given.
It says 6 h 37 min
